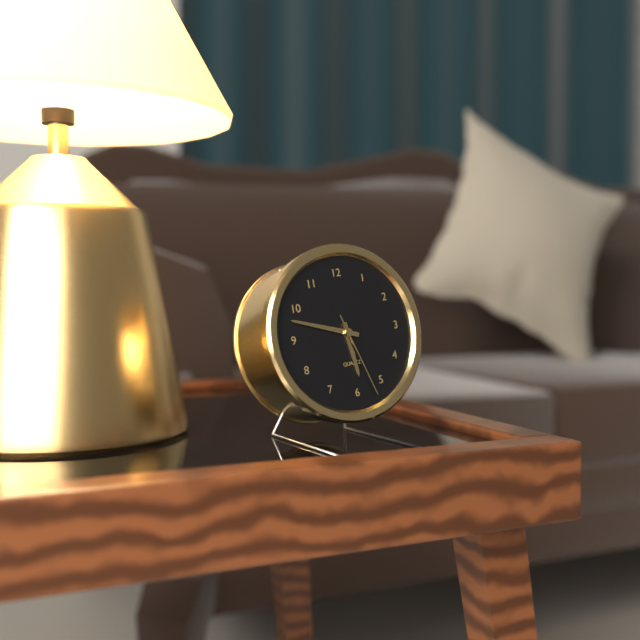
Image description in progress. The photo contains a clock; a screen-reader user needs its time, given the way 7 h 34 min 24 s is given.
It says 5 h 48 min 27 s
